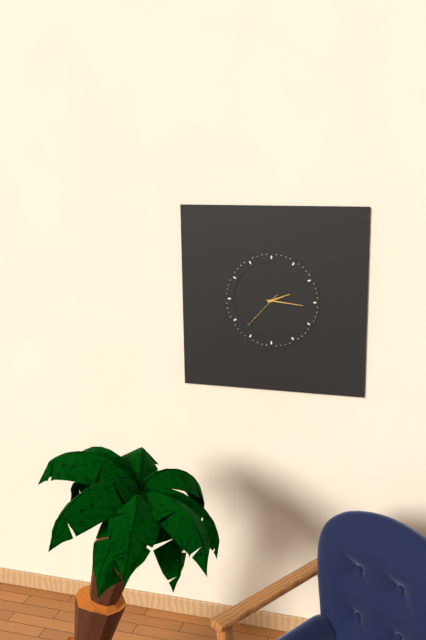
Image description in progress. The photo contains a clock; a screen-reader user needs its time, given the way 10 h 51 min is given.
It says 2 h 16 min
